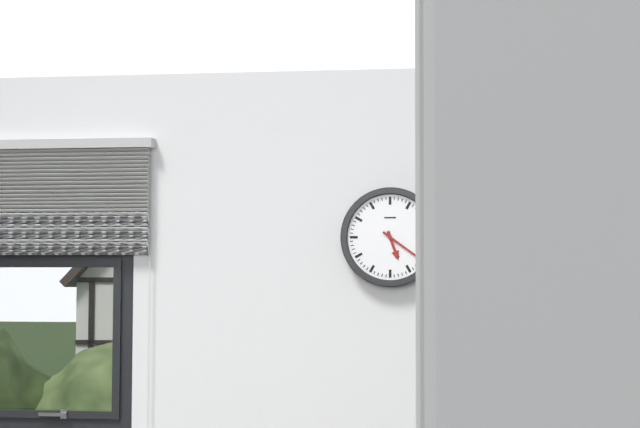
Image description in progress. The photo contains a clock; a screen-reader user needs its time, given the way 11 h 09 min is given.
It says 5 h 21 min
